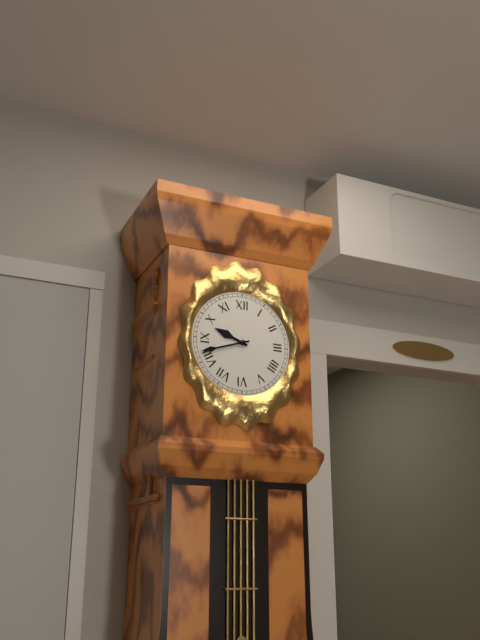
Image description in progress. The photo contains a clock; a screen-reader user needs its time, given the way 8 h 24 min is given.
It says 9 h 42 min
